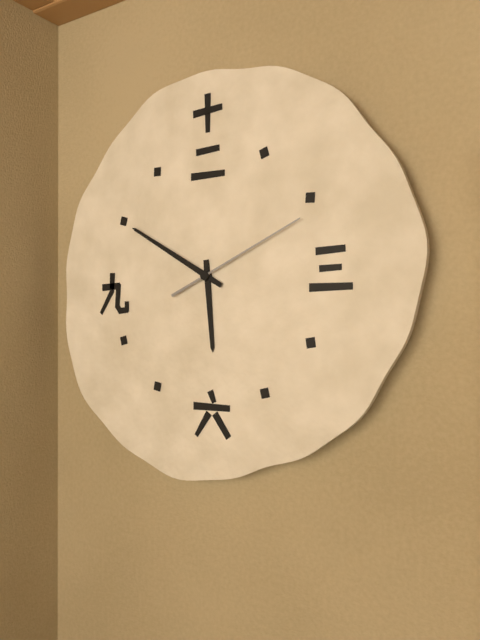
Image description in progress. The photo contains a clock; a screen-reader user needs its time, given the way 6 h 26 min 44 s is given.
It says 5 h 50 min 11 s
